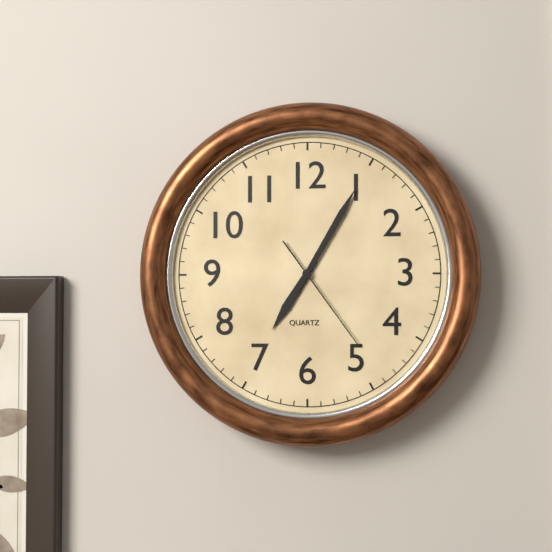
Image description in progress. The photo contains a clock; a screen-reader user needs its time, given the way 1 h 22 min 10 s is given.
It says 7 h 05 min 24 s
